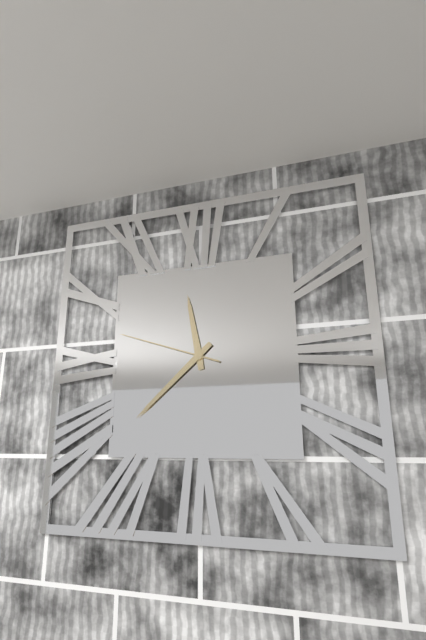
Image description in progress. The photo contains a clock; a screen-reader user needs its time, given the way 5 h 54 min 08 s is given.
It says 11 h 38 min 48 s
